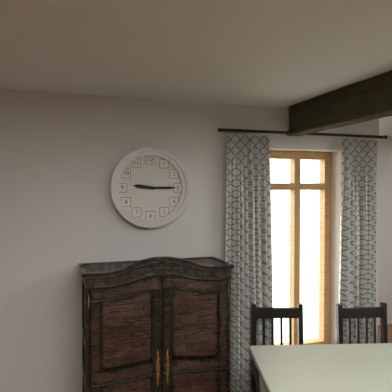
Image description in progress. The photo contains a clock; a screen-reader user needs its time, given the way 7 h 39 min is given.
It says 9 h 15 min
